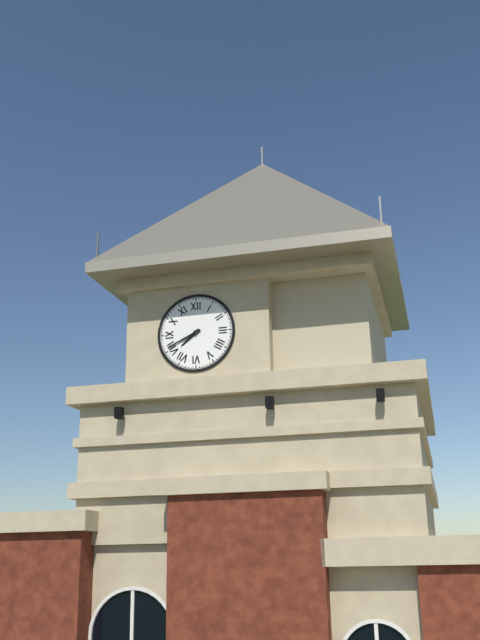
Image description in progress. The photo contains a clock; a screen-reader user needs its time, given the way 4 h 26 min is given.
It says 7 h 41 min
